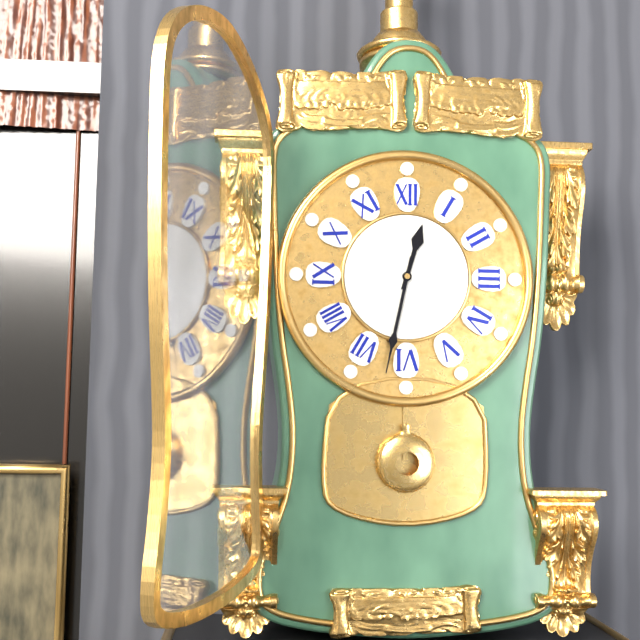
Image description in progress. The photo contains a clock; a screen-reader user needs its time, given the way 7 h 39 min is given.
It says 12 h 32 min
